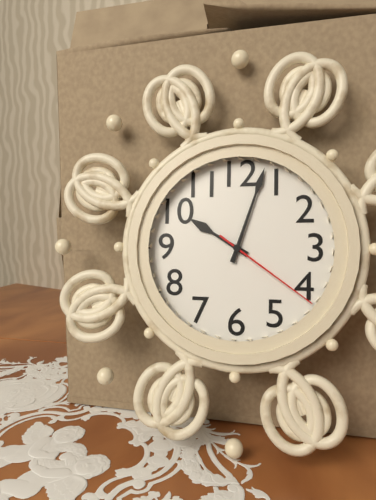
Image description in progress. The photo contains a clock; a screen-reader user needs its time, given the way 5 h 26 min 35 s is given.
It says 10 h 03 min 21 s
